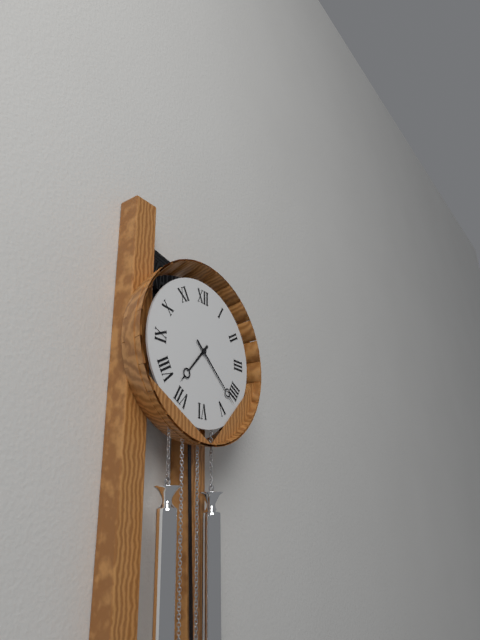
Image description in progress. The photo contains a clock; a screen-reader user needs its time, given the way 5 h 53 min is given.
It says 7 h 22 min
